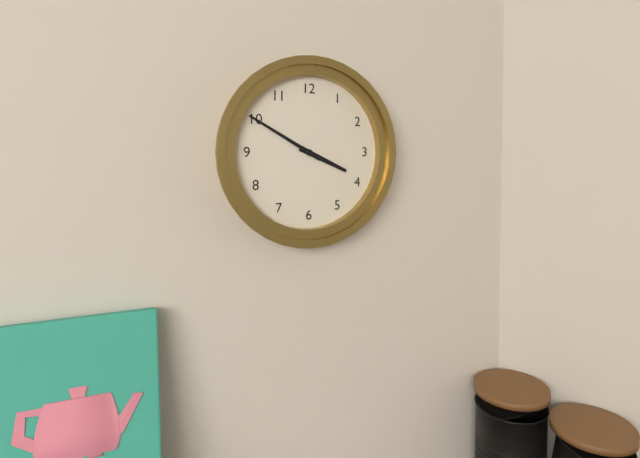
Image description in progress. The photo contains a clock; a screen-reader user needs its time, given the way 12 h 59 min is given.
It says 3 h 50 min
